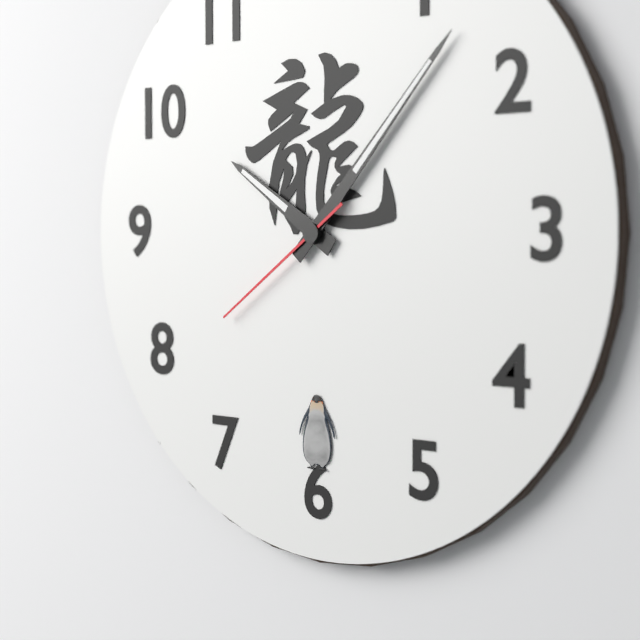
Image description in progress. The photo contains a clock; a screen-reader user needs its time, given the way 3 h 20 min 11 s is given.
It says 10 h 07 min 39 s
